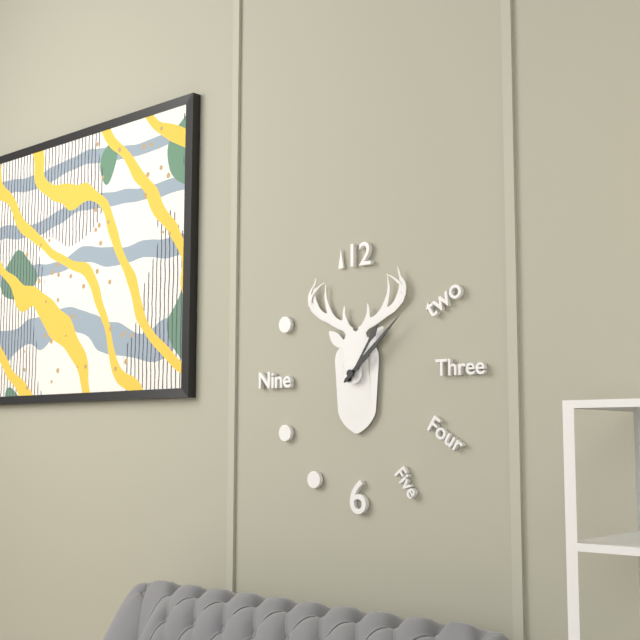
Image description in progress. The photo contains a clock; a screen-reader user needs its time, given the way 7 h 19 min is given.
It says 1 h 08 min
